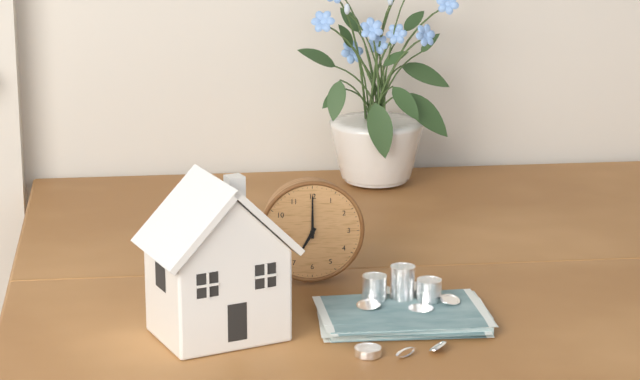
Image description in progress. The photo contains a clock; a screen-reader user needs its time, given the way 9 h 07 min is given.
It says 7 h 00 min
